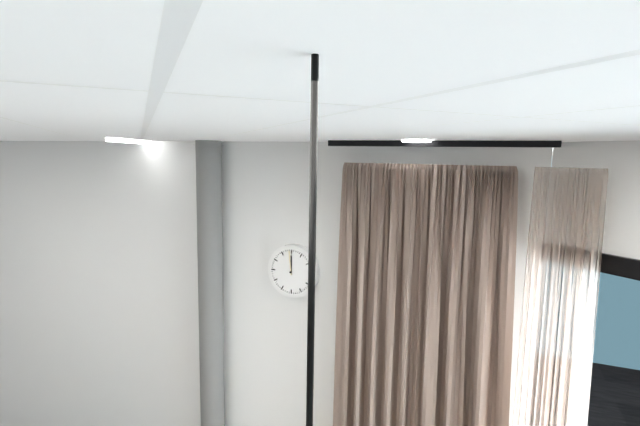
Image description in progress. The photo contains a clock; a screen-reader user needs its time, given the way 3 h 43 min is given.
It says 11 h 59 min
